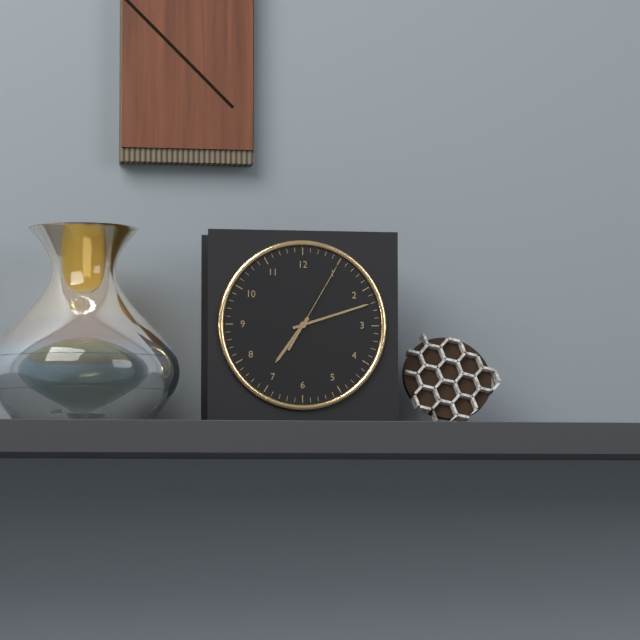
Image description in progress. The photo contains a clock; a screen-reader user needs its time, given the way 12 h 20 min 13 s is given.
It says 7 h 12 min 05 s
